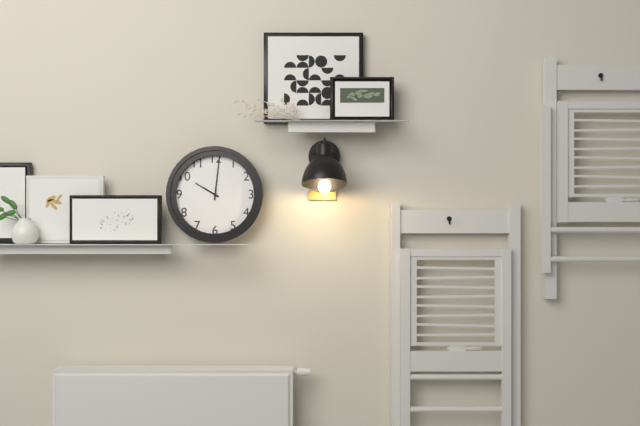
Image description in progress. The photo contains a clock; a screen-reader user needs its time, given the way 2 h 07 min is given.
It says 10 h 01 min
